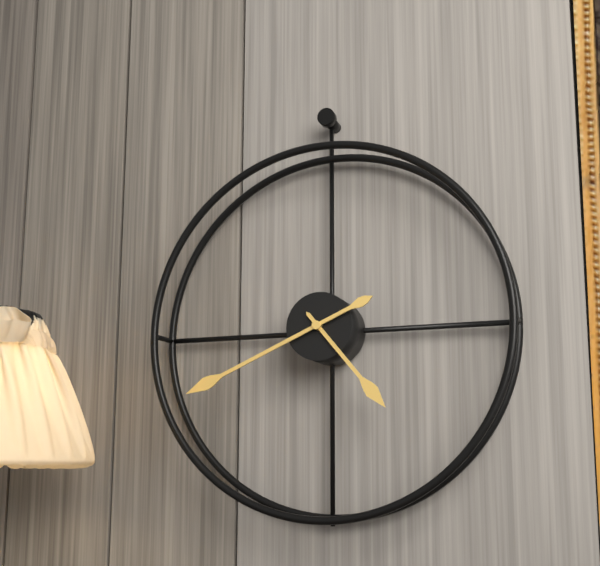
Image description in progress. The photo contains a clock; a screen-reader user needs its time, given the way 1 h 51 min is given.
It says 4 h 41 min
